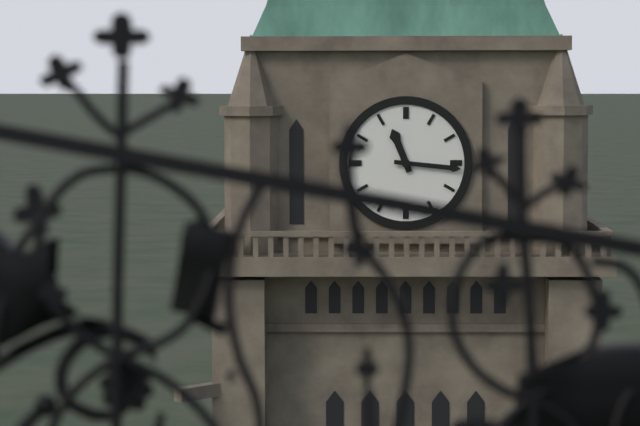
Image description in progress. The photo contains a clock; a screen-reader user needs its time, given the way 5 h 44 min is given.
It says 11 h 16 min
